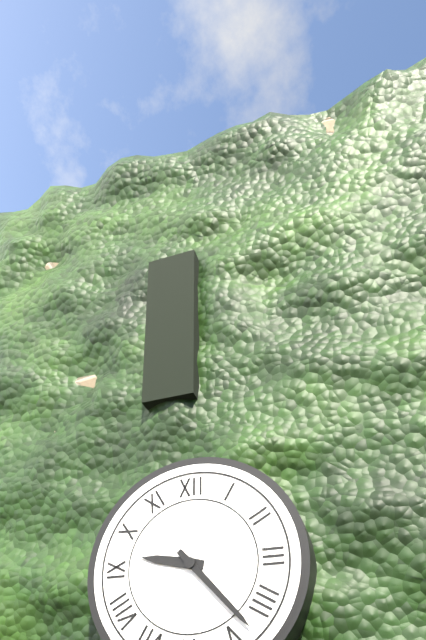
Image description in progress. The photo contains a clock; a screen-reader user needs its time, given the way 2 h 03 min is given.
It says 9 h 23 min
